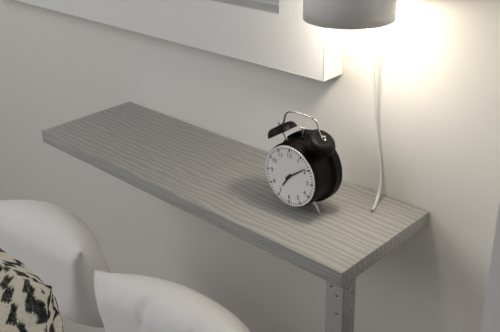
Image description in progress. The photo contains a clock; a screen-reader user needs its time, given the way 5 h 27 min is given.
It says 7 h 09 min
